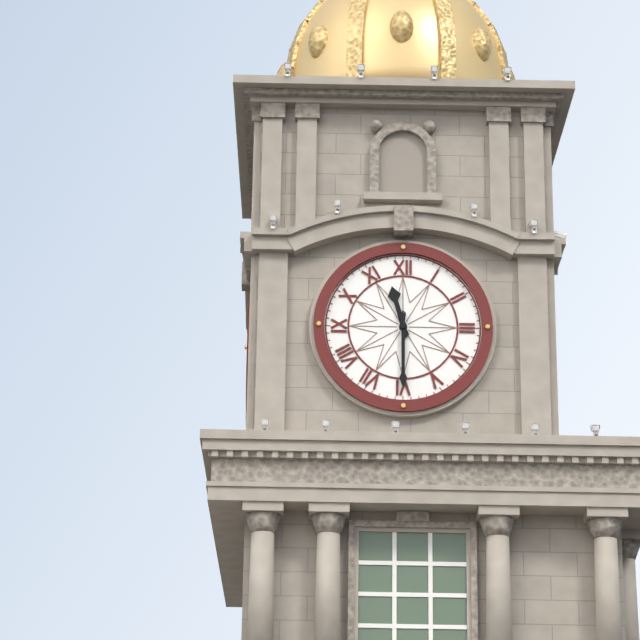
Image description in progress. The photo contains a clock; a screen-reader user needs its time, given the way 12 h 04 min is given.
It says 11 h 30 min
